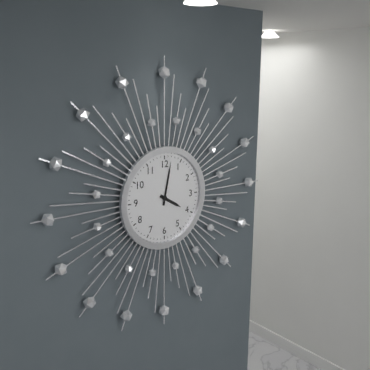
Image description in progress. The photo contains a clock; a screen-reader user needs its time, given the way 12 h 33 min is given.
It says 4 h 02 min
